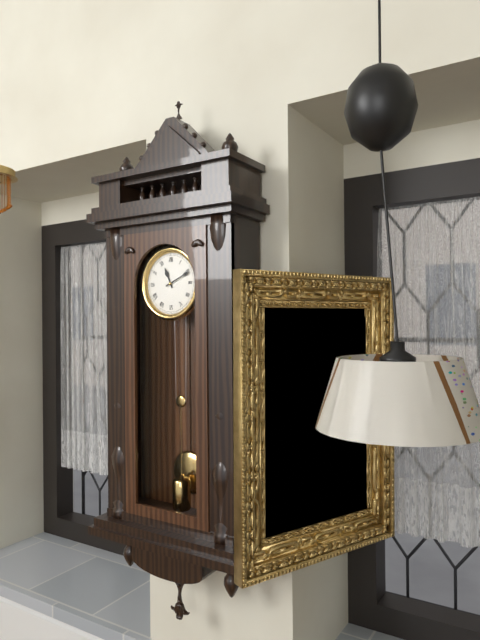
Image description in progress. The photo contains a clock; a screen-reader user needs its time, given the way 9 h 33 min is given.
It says 11 h 11 min
